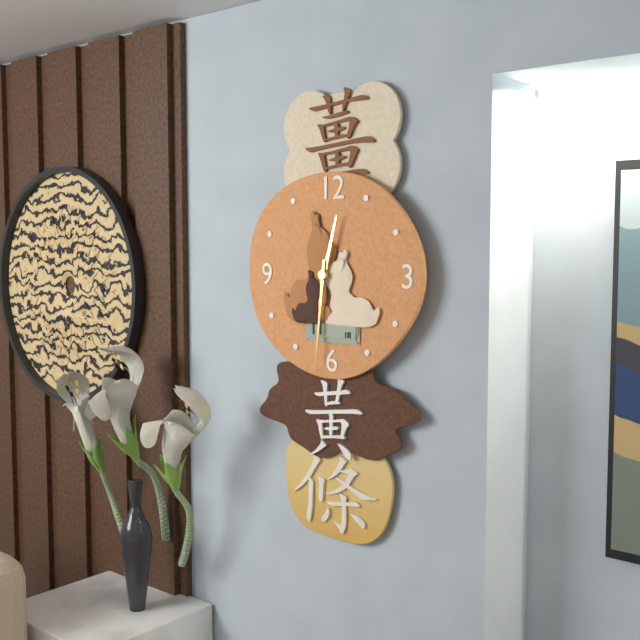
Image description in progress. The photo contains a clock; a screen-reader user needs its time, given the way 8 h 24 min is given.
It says 12 h 31 min
